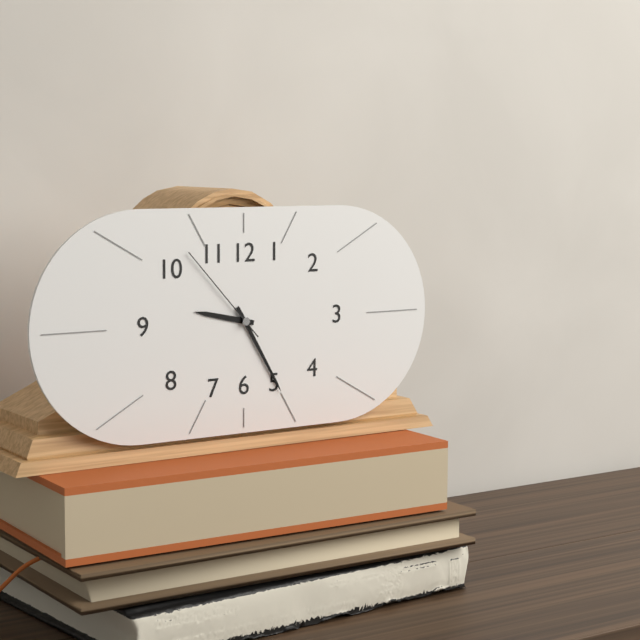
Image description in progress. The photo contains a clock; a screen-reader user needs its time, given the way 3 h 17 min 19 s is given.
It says 9 h 25 min 53 s
